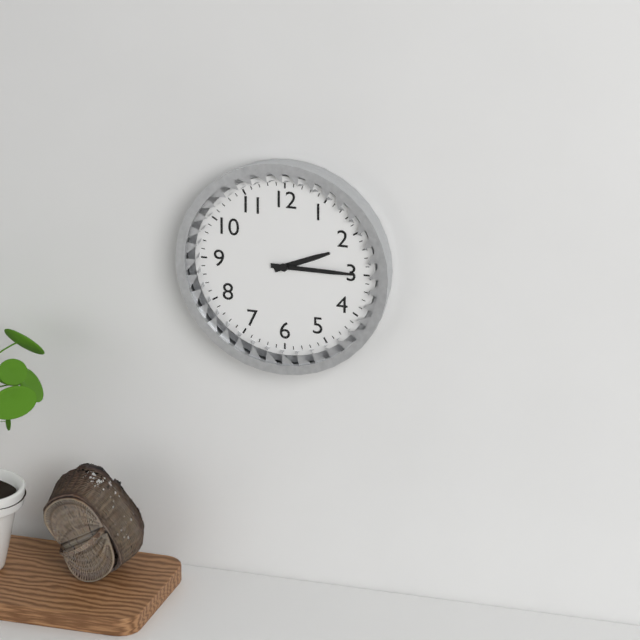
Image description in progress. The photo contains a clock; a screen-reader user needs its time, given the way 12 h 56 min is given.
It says 2 h 15 min
